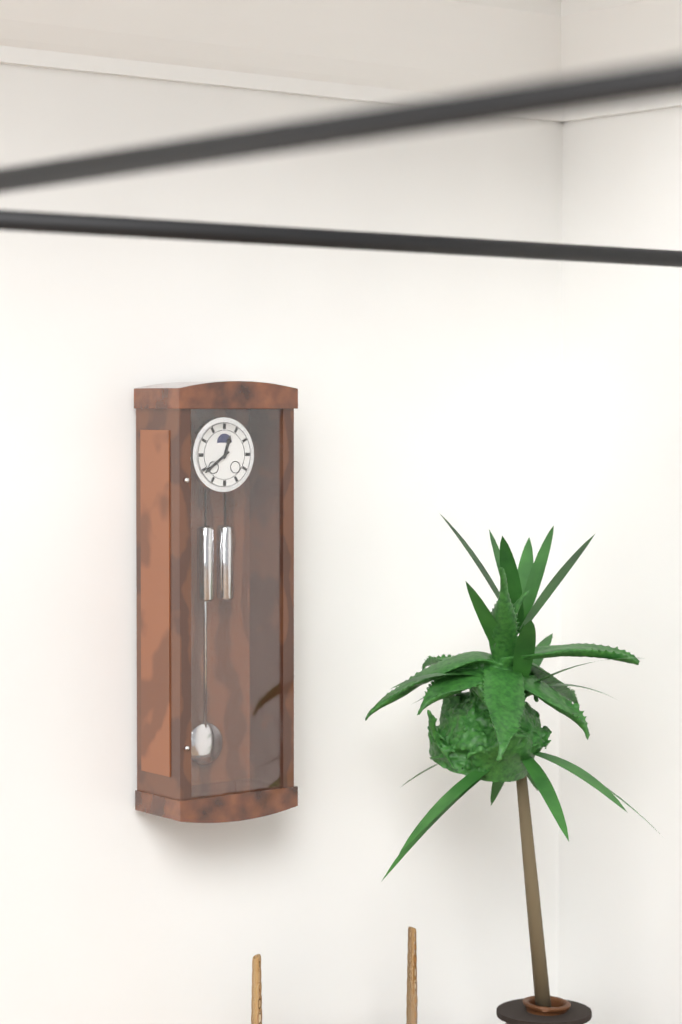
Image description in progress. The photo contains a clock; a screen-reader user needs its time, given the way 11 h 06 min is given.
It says 12 h 39 min
